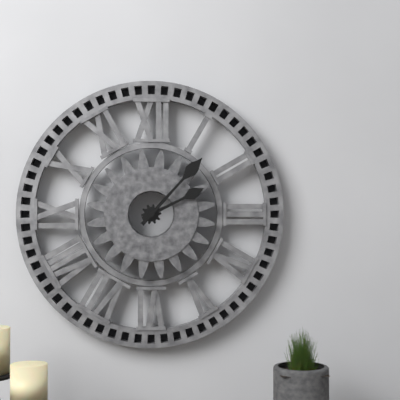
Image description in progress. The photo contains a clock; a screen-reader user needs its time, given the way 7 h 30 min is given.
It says 2 h 07 min
